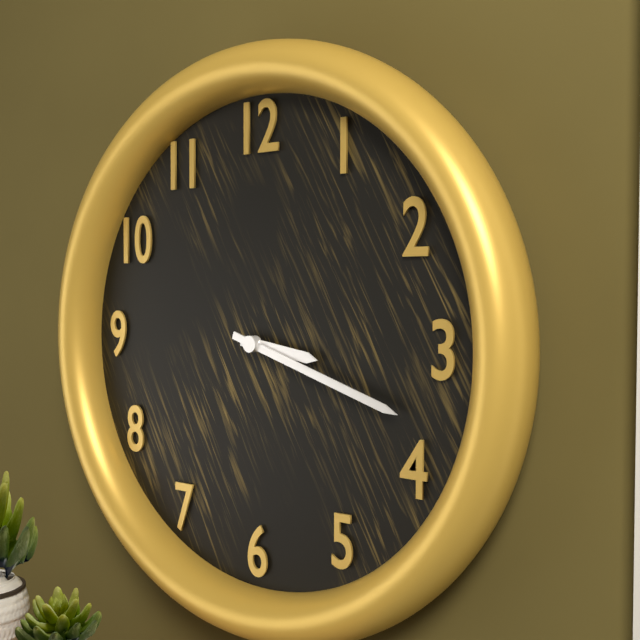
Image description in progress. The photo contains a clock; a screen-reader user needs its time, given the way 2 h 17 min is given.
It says 3 h 18 min
